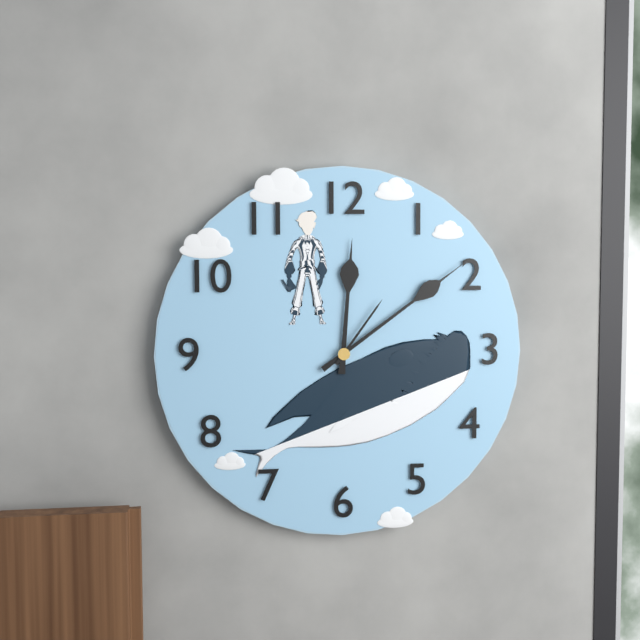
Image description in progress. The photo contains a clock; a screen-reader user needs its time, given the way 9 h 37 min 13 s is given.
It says 12 h 09 min 06 s
